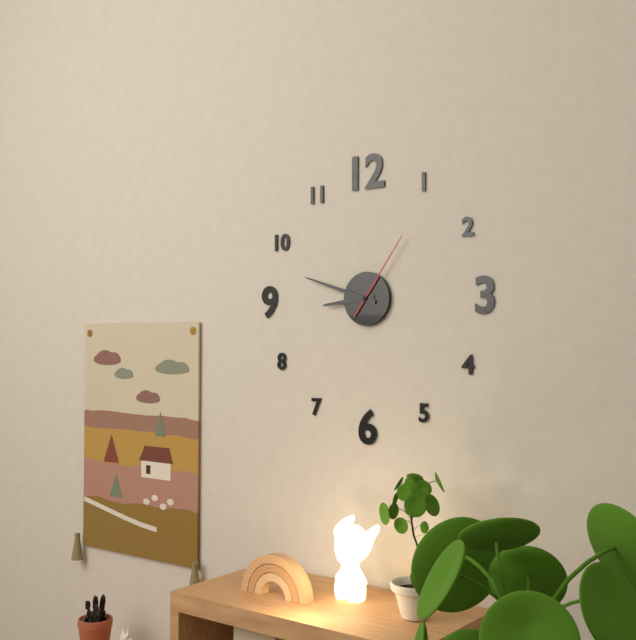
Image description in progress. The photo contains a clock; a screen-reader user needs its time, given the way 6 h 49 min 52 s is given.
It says 8 h 48 min 06 s
